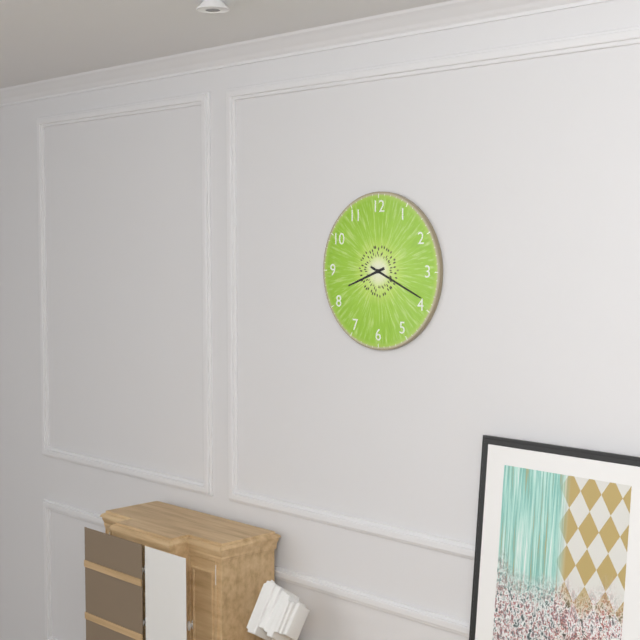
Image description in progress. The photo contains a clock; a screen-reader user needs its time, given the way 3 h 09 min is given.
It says 8 h 19 min
